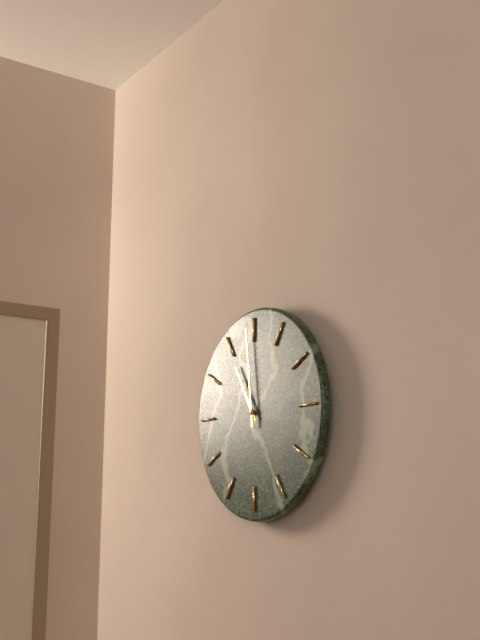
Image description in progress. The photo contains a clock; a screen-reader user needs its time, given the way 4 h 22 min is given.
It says 10 h 59 min
